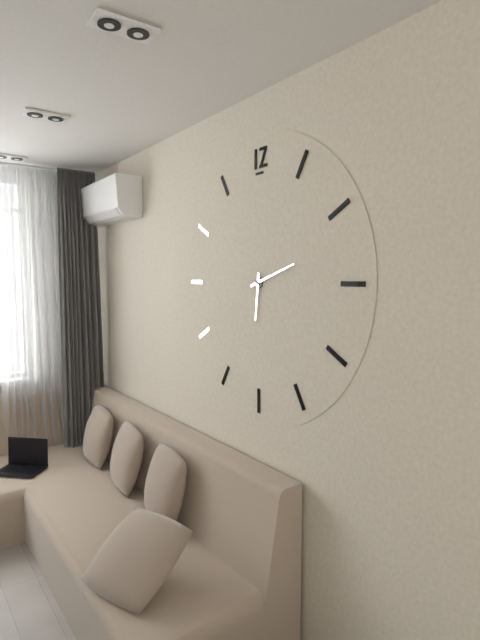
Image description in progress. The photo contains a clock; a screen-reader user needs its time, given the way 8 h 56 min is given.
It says 6 h 12 min
